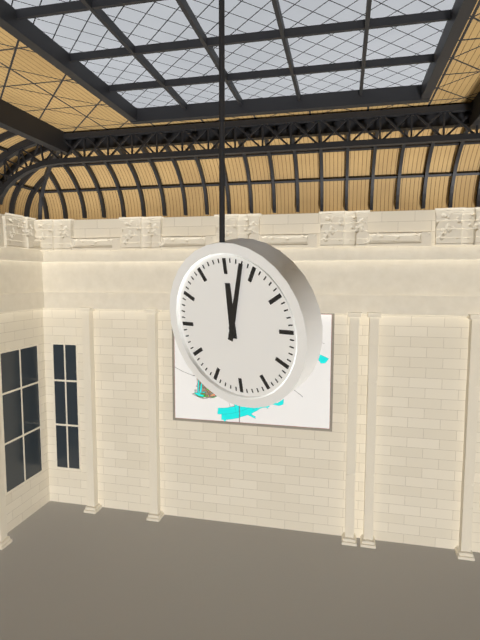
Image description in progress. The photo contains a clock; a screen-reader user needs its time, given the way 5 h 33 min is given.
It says 12 h 03 min
